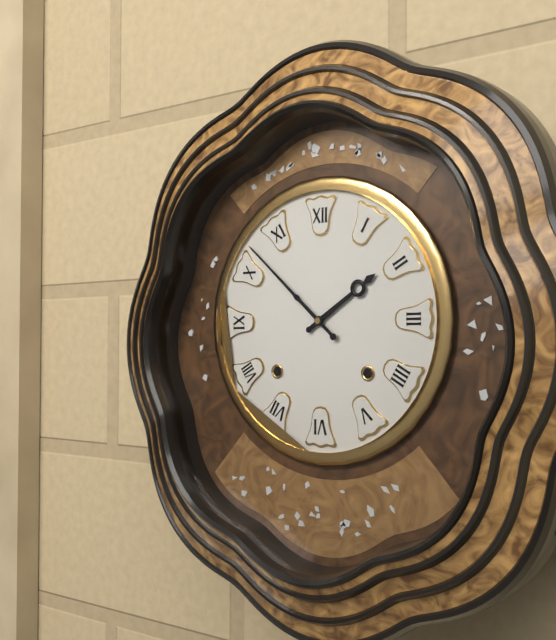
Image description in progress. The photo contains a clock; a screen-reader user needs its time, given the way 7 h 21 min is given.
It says 1 h 52 min
